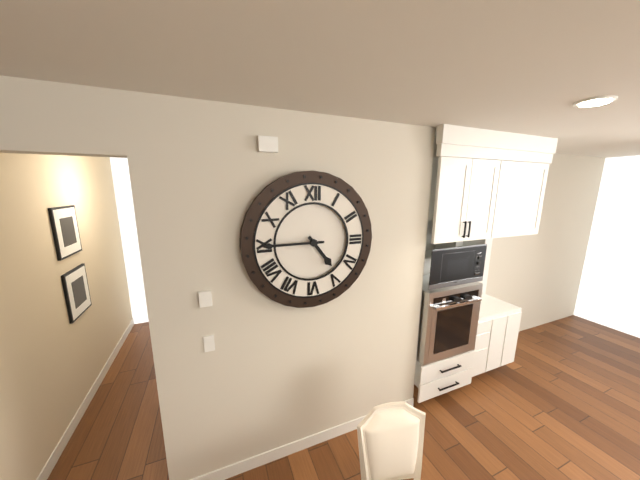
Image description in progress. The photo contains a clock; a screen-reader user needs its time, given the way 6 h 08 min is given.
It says 4 h 45 min
